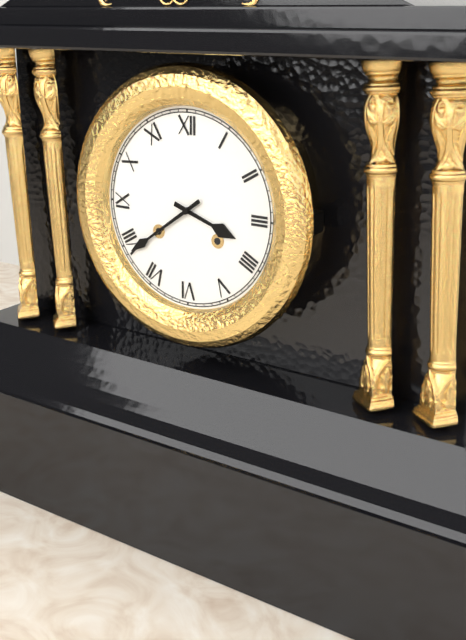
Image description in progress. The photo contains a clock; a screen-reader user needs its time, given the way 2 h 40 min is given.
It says 3 h 39 min
